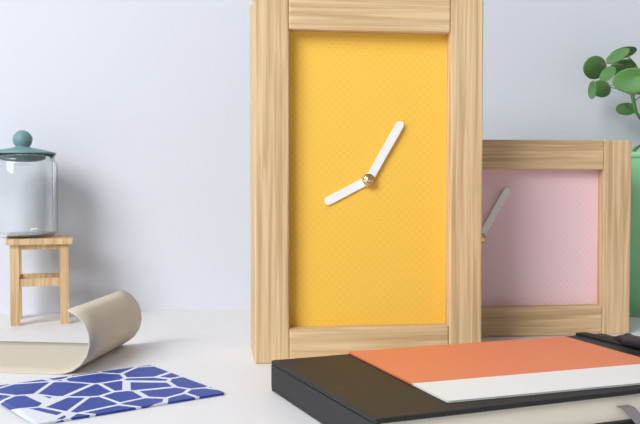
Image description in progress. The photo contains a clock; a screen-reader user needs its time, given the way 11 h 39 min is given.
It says 8 h 05 min
